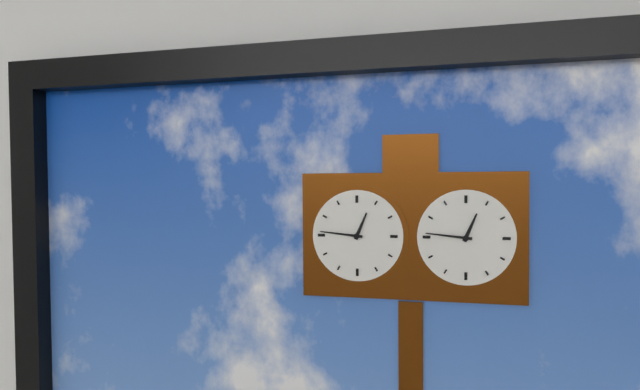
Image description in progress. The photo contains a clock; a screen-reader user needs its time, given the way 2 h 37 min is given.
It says 12 h 46 min
